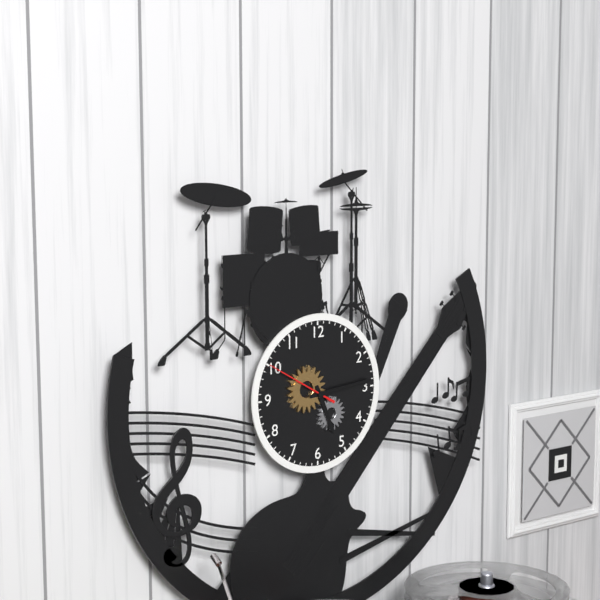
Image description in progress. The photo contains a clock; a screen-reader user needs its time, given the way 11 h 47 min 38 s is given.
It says 5 h 14 min 50 s
